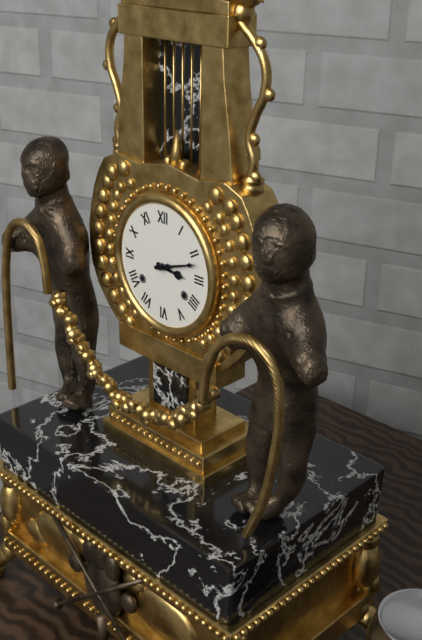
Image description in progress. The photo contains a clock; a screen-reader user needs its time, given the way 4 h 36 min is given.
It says 3 h 12 min
